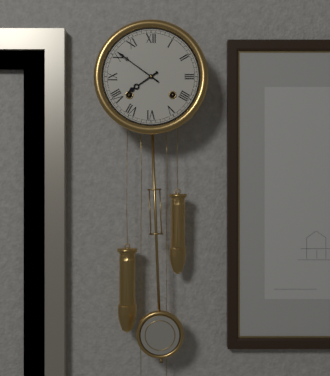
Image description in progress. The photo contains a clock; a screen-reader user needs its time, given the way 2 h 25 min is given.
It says 7 h 51 min
